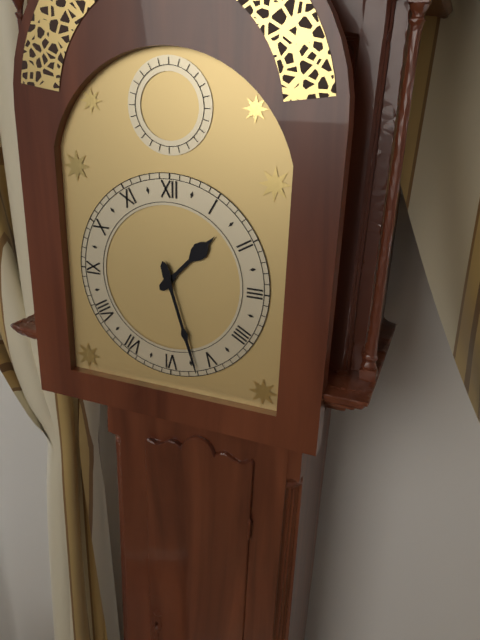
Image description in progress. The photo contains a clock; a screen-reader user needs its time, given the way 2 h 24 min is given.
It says 1 h 27 min
